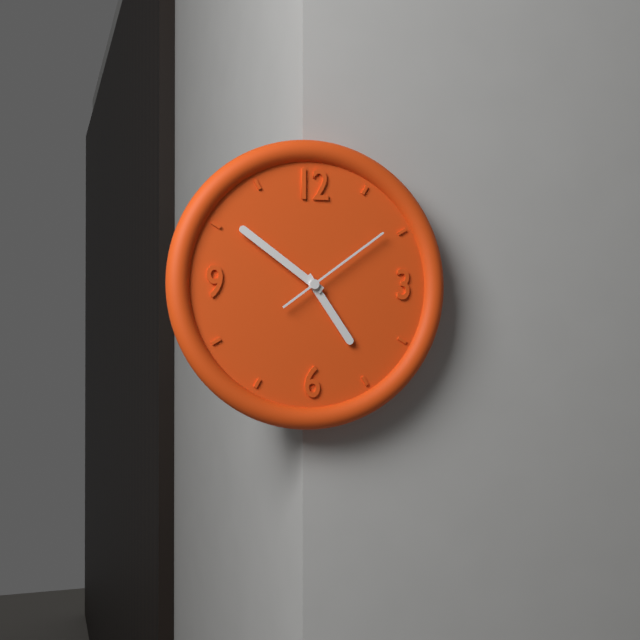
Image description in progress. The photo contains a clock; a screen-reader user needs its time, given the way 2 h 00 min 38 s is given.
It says 4 h 51 min 09 s
